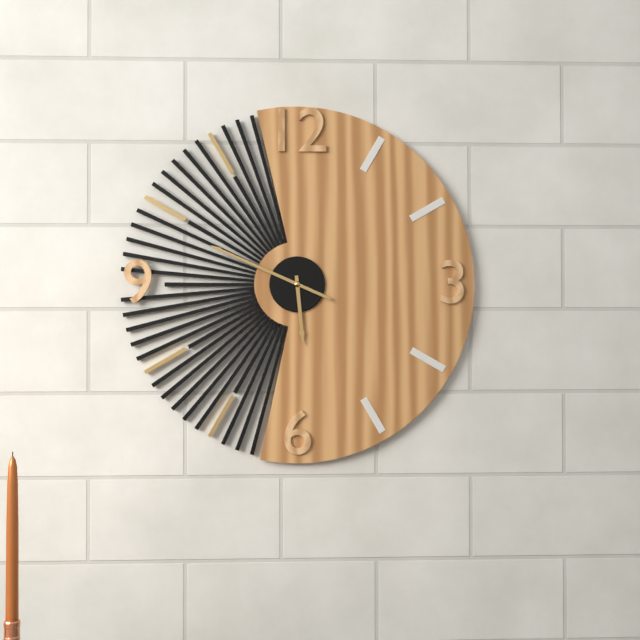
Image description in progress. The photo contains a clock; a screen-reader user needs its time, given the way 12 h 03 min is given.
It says 5 h 49 min
